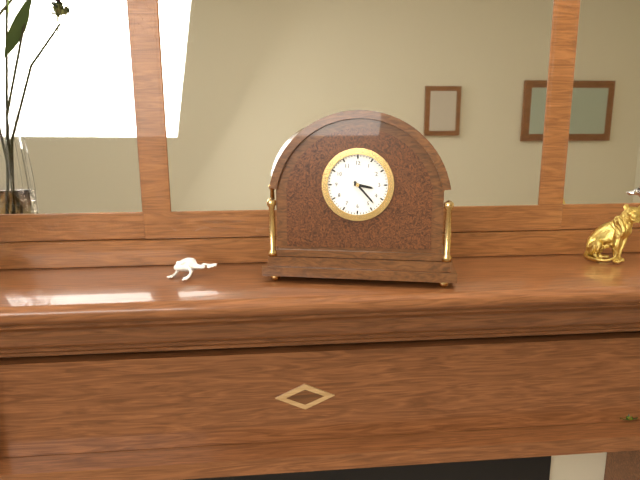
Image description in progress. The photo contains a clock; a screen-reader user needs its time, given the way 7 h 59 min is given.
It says 3 h 23 min
